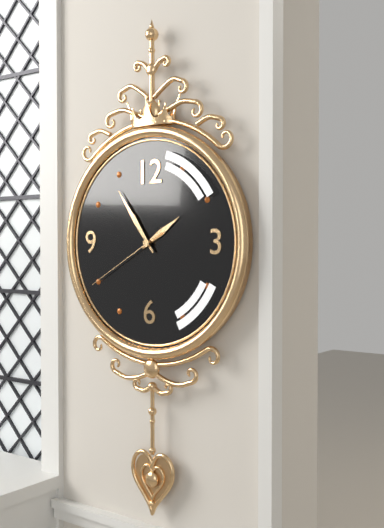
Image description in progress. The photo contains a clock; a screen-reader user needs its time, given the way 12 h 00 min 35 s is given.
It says 1 h 54 min 40 s
